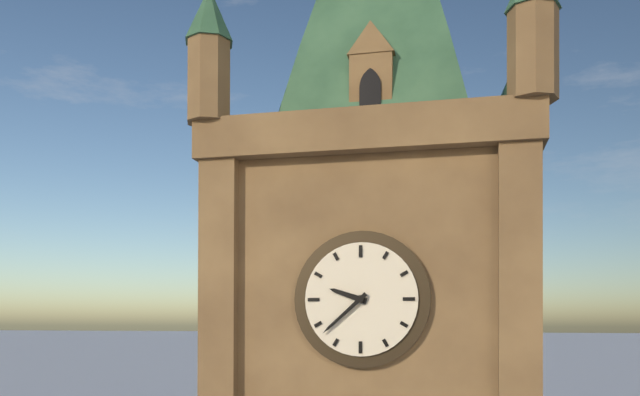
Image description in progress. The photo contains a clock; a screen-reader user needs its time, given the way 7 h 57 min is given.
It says 9 h 38 min
